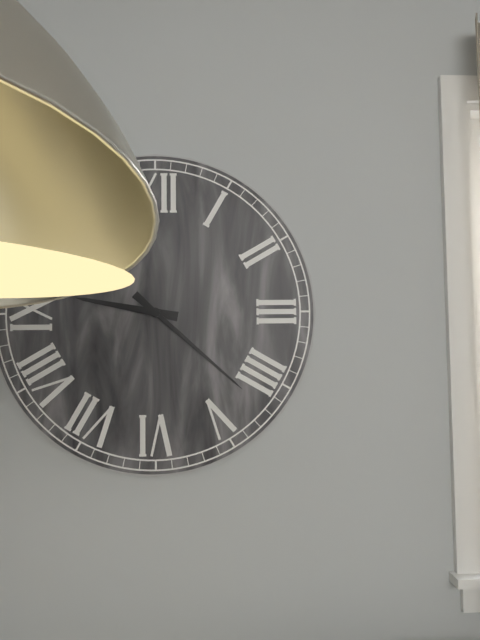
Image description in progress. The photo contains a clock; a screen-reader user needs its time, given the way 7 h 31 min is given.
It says 9 h 22 min
